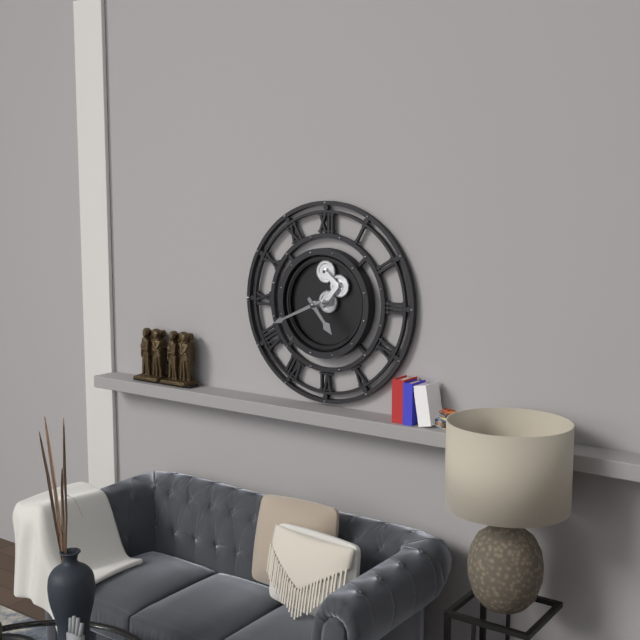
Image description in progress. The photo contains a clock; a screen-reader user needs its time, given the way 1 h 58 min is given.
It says 4 h 41 min
